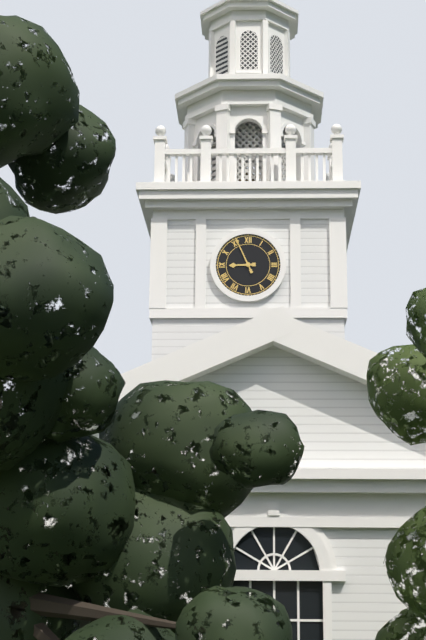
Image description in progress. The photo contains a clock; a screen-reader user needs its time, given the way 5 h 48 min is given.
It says 8 h 56 min
